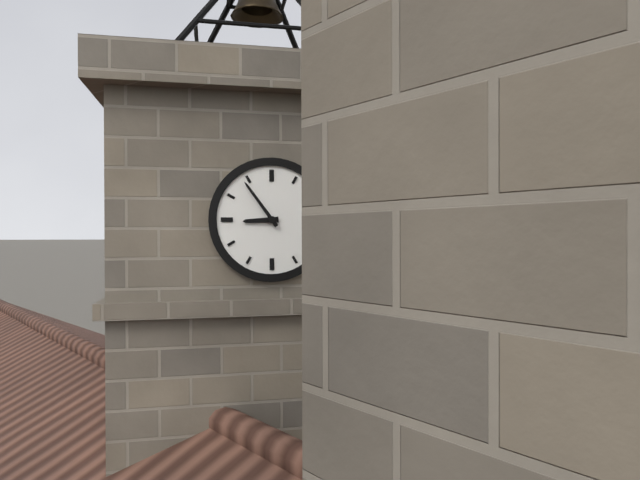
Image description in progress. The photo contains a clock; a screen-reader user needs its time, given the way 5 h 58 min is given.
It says 8 h 54 min
